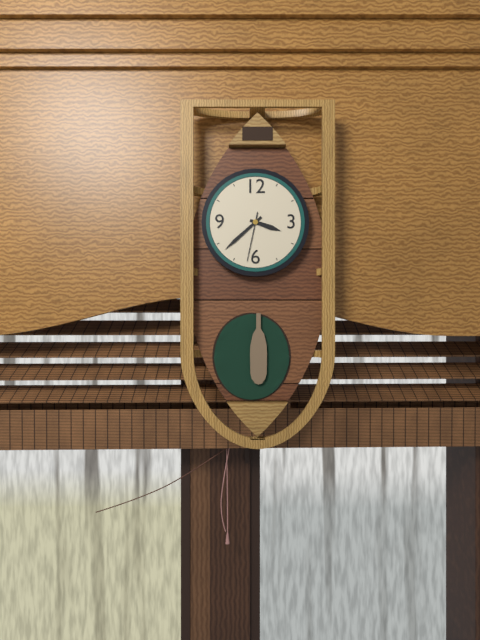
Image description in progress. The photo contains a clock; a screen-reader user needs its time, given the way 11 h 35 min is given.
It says 3 h 38 min
